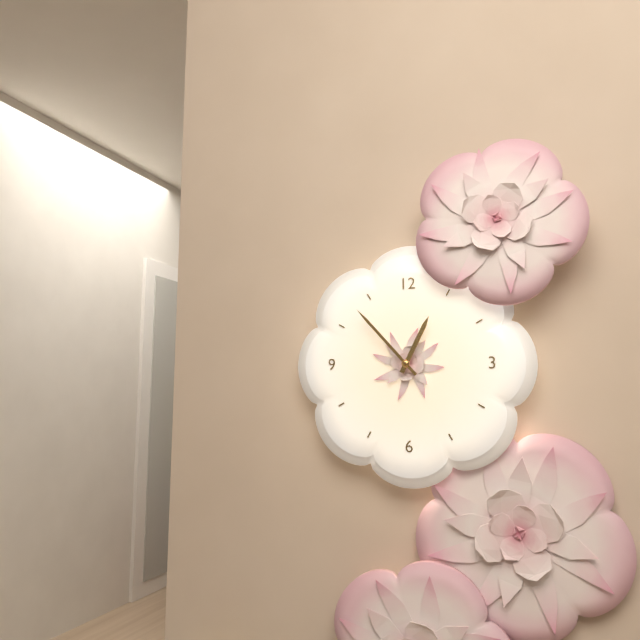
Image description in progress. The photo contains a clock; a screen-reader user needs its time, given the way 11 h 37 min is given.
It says 12 h 53 min
